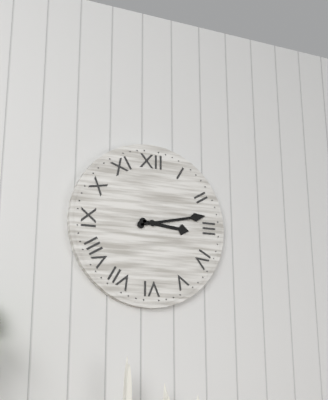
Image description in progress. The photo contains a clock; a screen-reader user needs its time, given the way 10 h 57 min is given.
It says 3 h 13 min
